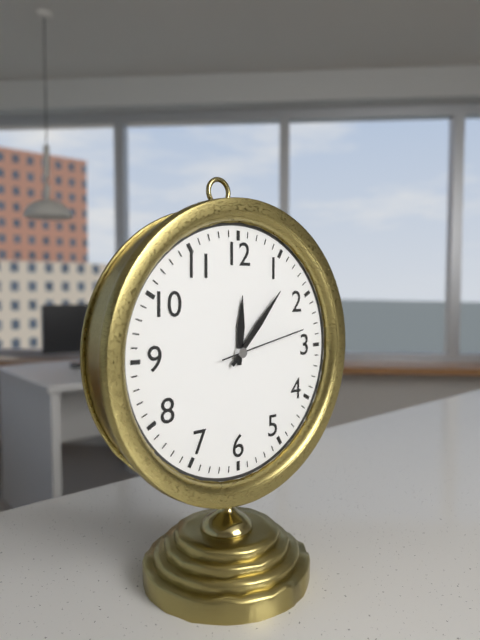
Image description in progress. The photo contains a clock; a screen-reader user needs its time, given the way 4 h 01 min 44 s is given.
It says 12 h 07 min 13 s
